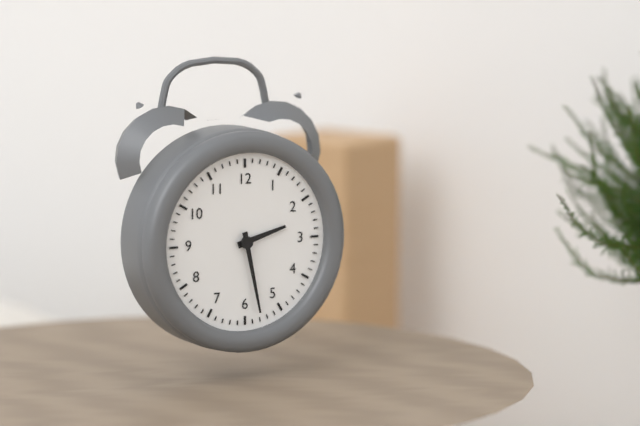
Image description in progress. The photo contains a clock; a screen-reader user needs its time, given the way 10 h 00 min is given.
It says 2 h 28 min
